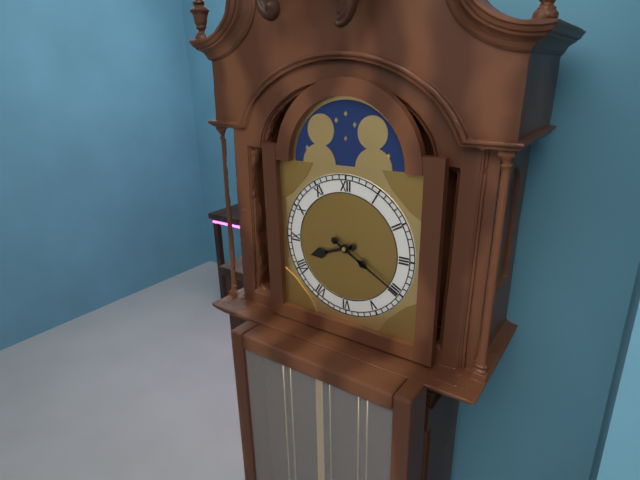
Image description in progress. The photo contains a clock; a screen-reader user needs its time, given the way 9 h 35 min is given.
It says 8 h 20 min
